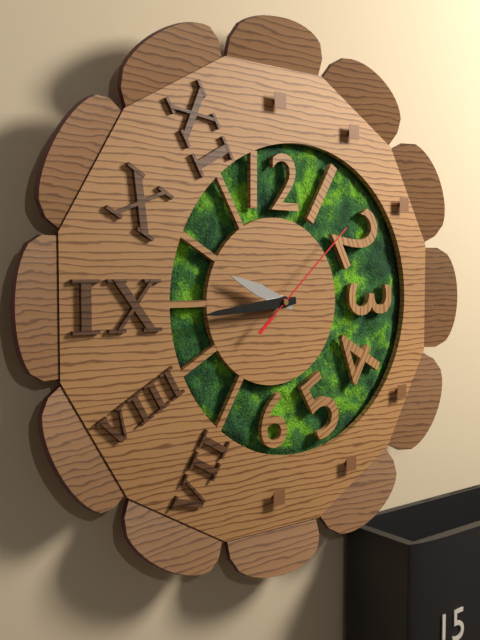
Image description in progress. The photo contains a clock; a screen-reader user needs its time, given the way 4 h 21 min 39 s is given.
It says 9 h 44 min 08 s
